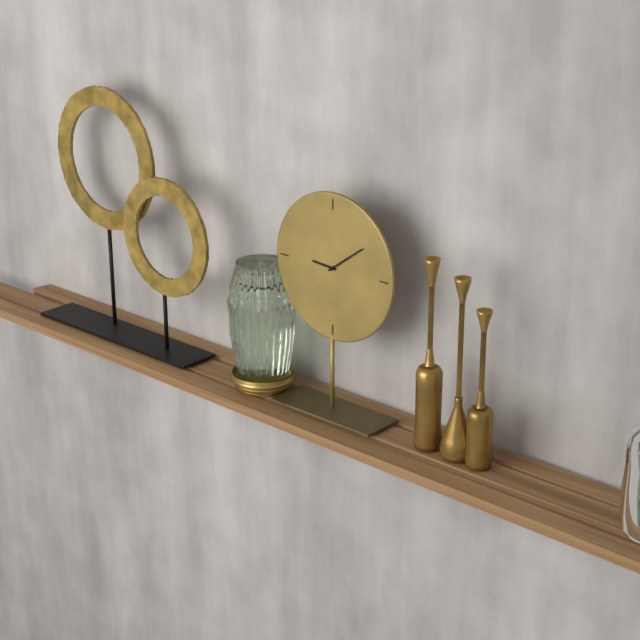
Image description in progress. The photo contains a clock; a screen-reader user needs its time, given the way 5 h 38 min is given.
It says 9 h 09 min
